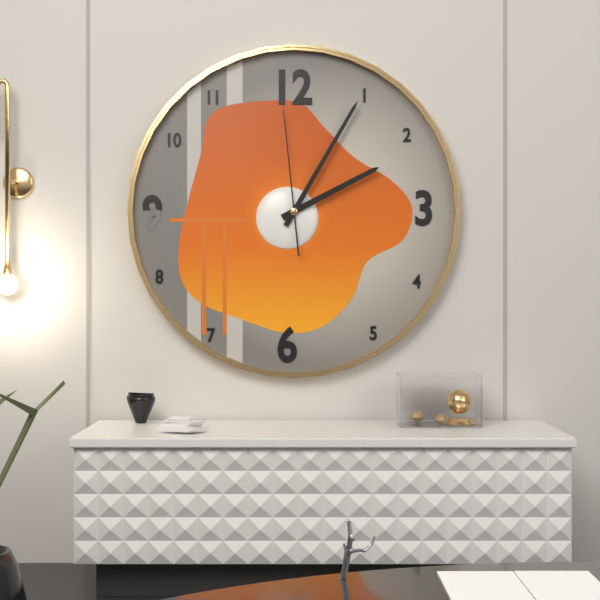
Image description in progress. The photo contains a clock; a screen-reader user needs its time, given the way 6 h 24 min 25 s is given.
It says 2 h 05 min 59 s
